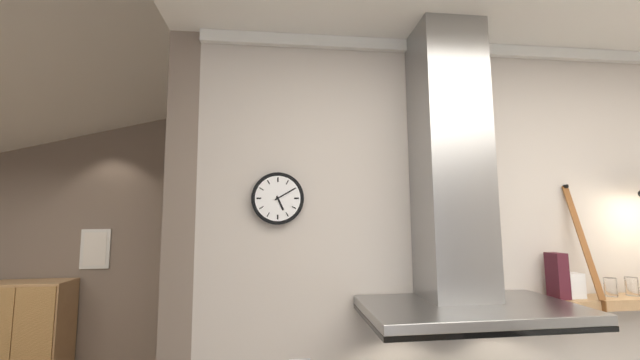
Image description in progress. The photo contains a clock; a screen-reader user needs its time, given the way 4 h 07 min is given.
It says 5 h 10 min
